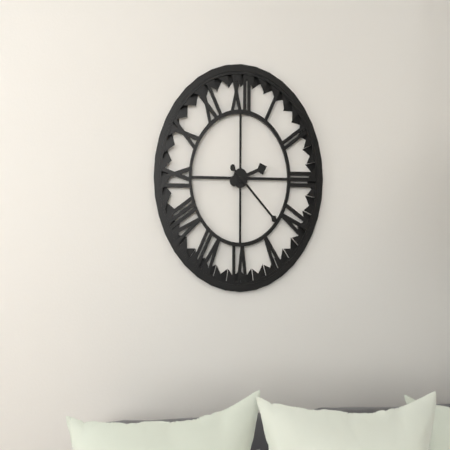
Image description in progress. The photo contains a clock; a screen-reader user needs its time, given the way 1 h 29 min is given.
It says 2 h 22 min
